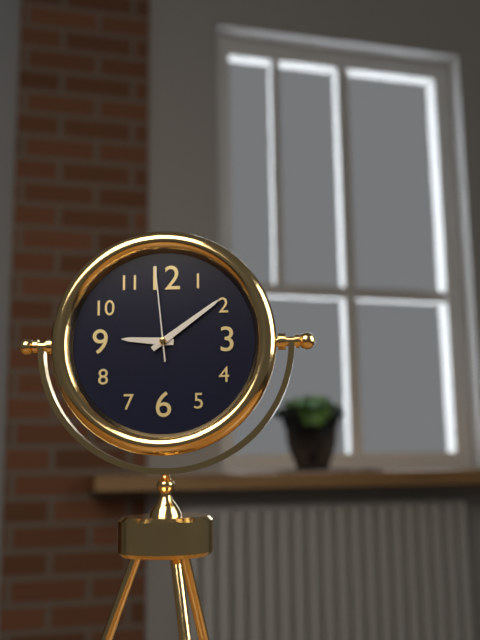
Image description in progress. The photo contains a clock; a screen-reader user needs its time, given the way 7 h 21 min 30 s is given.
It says 9 h 09 min 59 s
